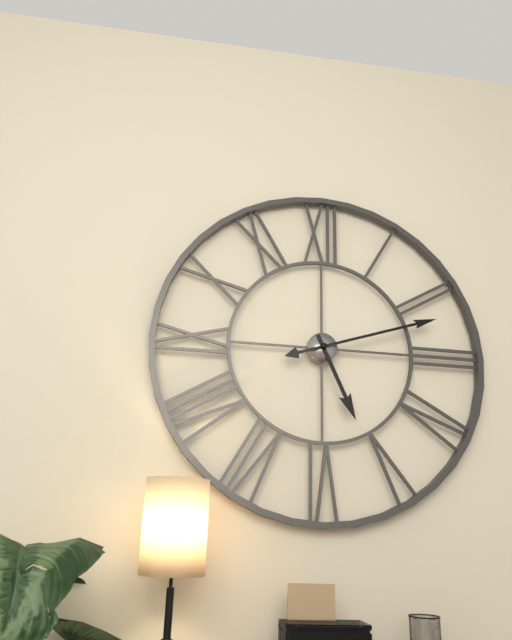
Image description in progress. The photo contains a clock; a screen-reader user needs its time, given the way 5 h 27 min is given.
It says 5 h 12 min
